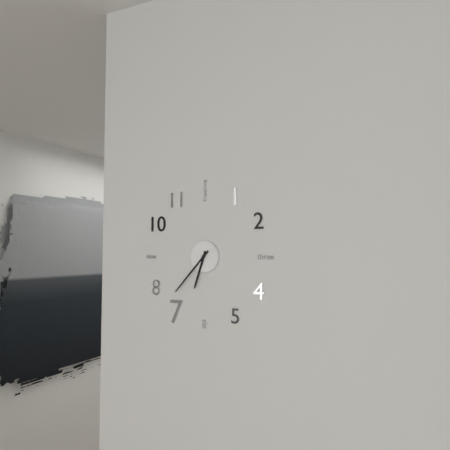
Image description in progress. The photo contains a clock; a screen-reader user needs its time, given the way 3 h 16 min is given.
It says 6 h 37 min
